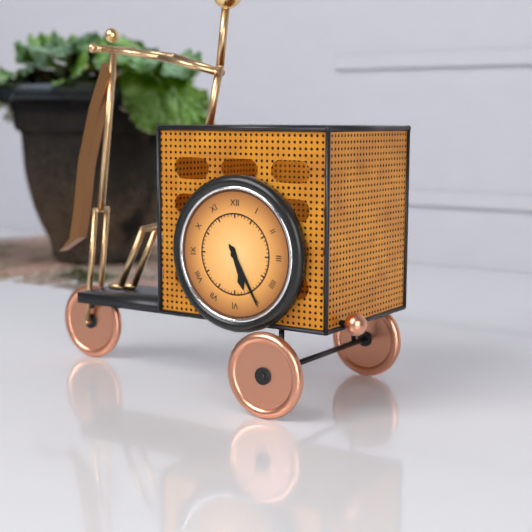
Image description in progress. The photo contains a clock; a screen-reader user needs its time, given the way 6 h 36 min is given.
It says 5 h 25 min
